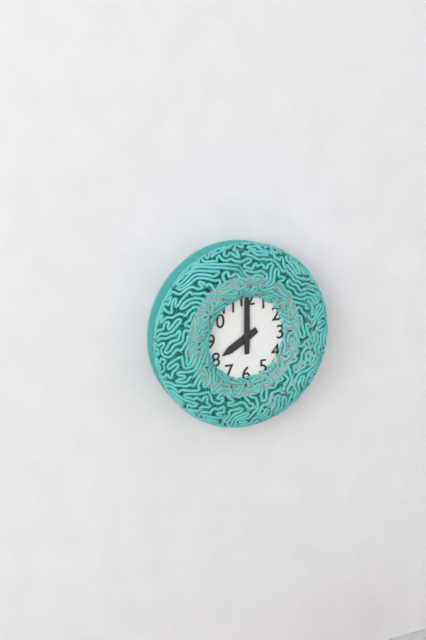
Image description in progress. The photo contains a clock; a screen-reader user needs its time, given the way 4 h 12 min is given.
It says 8 h 00 min
